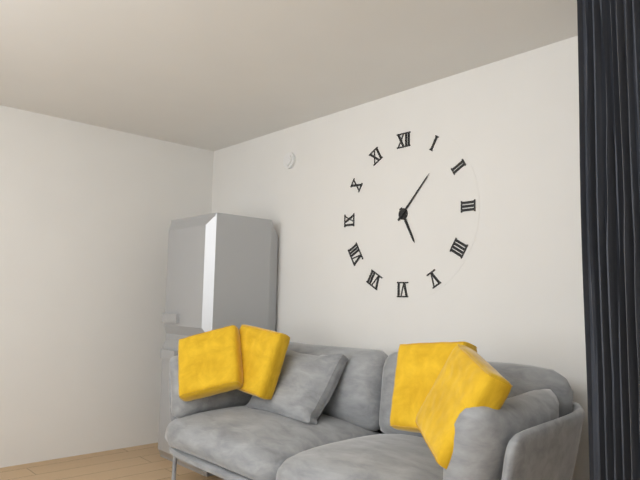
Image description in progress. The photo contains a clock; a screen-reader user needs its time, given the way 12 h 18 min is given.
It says 5 h 07 min
